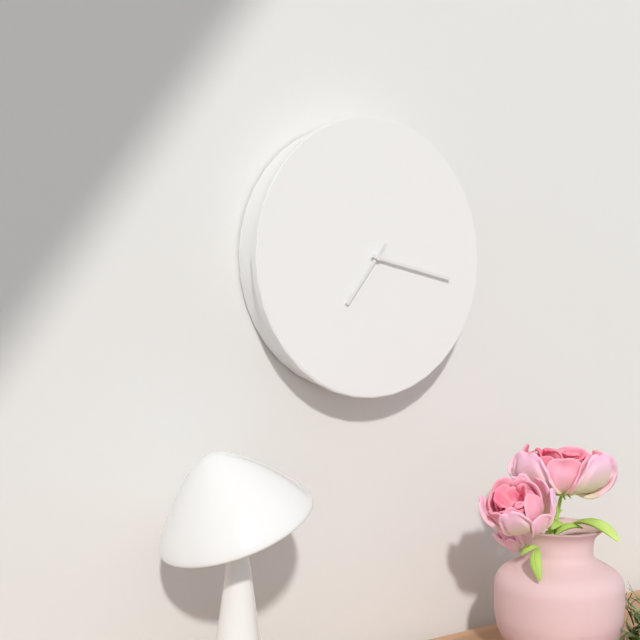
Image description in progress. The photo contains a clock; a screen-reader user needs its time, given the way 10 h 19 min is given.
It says 7 h 17 min
